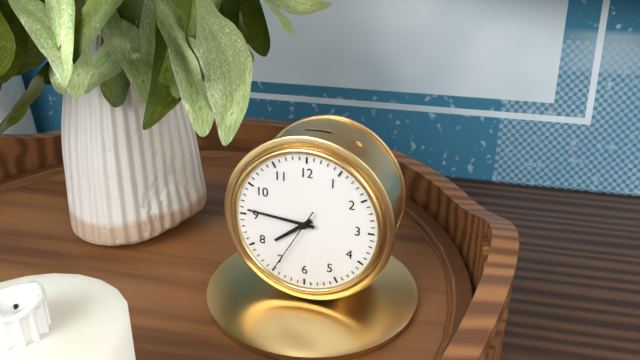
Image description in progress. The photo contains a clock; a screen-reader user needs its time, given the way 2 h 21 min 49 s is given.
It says 7 h 46 min 35 s
